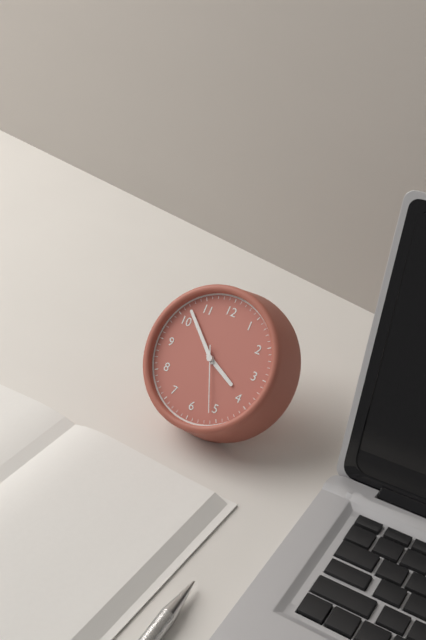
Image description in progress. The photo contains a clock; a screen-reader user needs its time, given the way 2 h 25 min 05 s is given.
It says 3 h 52 min 26 s
